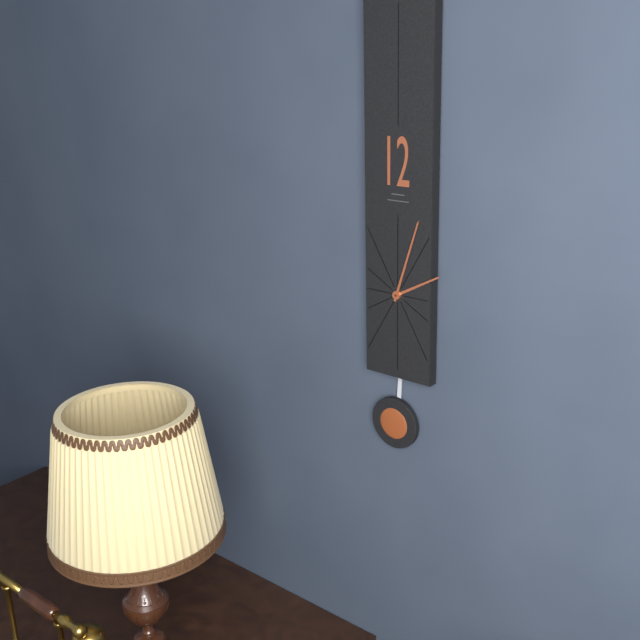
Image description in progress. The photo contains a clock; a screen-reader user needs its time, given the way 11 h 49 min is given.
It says 2 h 03 min
